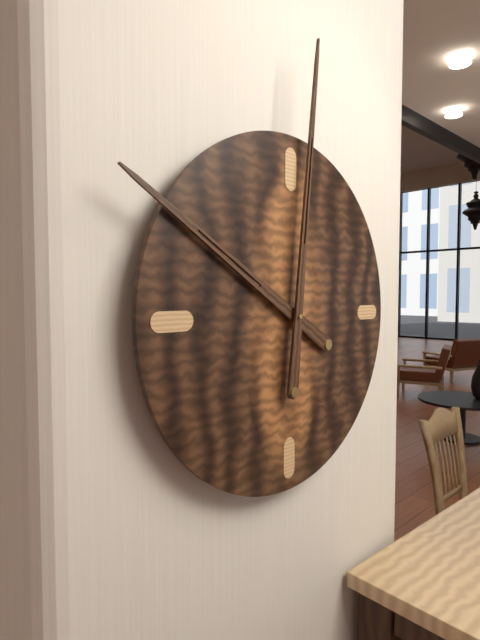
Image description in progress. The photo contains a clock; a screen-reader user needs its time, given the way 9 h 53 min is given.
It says 10 h 01 min
